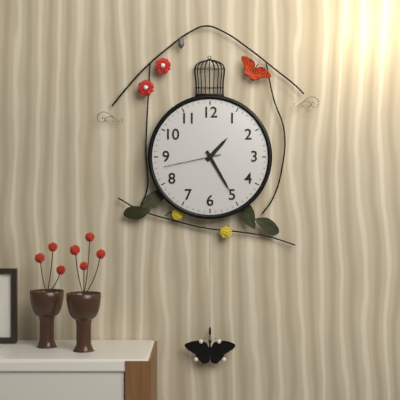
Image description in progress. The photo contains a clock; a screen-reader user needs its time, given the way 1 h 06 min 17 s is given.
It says 1 h 25 min 43 s
